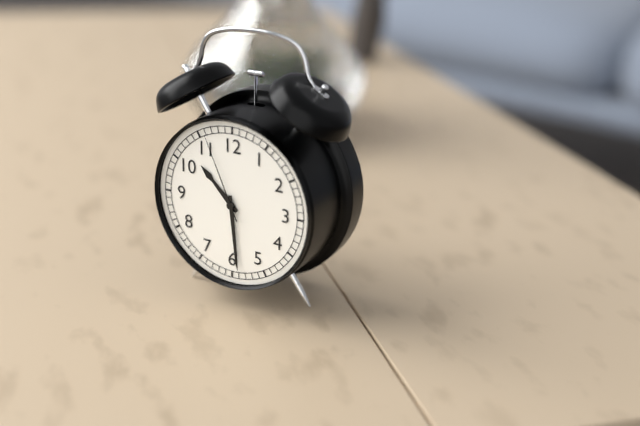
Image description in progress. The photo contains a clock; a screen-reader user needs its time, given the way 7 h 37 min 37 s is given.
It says 10 h 29 min 56 s
